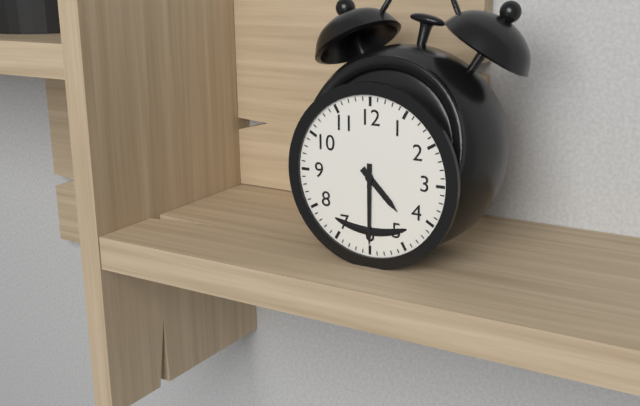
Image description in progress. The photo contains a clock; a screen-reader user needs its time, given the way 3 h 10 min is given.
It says 4 h 30 min
